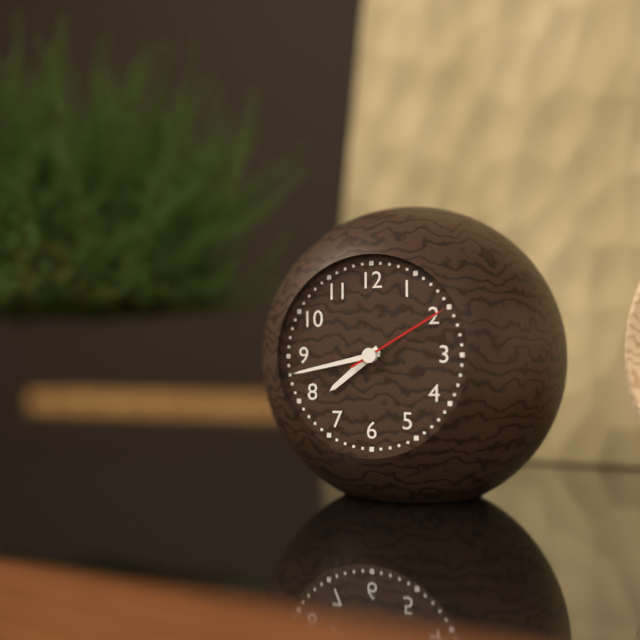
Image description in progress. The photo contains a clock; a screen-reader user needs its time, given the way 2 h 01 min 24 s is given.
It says 7 h 43 min 10 s
